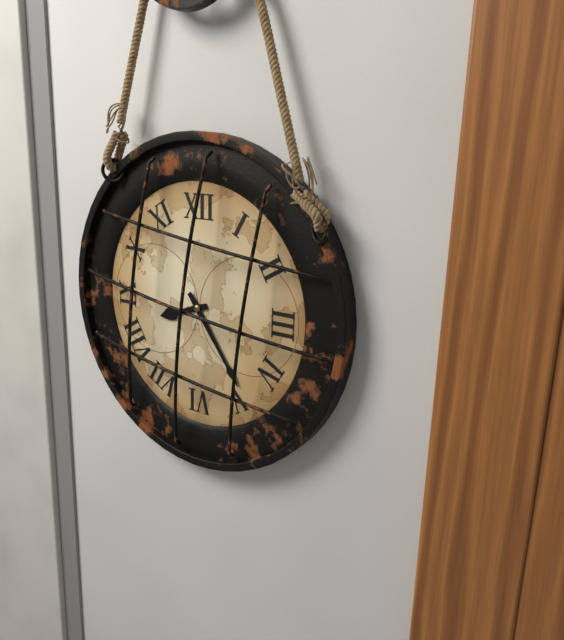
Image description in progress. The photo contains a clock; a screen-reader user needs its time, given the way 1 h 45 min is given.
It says 8 h 24 min
